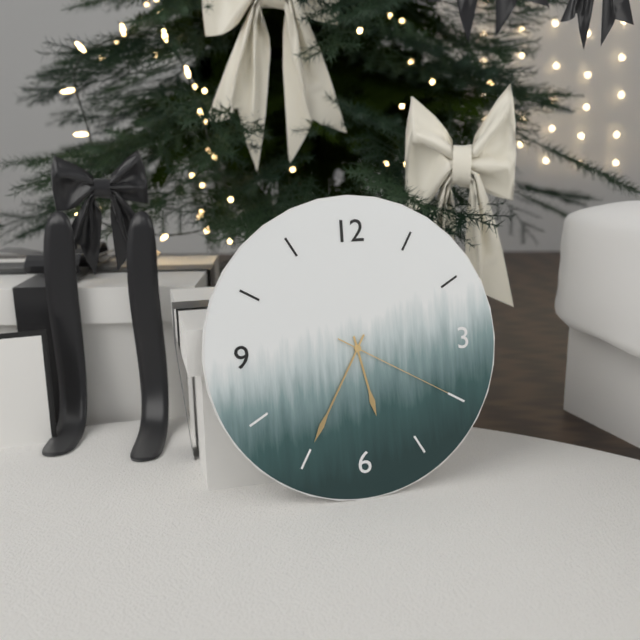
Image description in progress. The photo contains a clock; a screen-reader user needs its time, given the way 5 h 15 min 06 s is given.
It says 5 h 35 min 20 s
